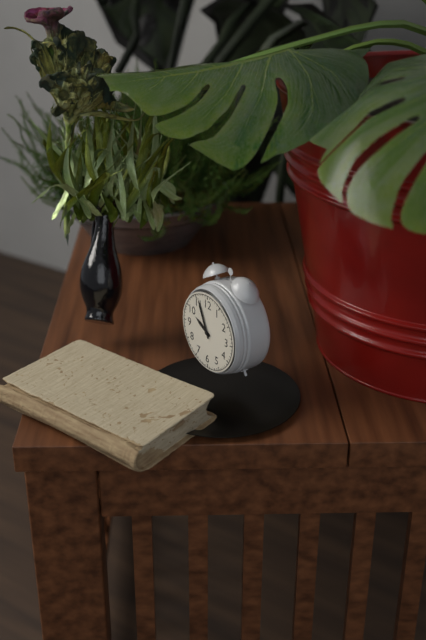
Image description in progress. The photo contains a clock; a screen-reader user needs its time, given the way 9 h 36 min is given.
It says 9 h 56 min
